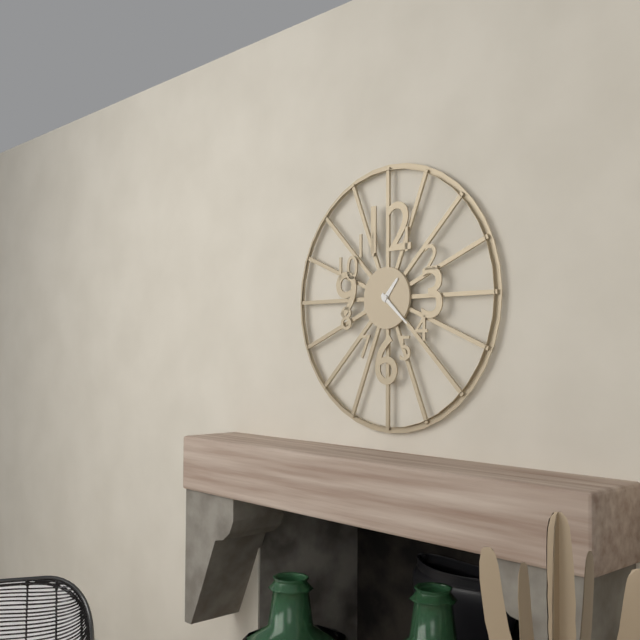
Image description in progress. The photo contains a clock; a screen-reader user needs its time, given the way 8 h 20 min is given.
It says 1 h 22 min
